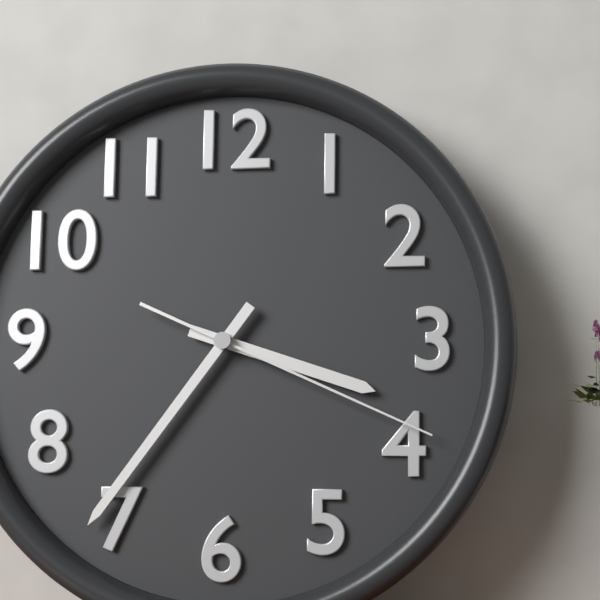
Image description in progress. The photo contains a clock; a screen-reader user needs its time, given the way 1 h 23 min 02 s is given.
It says 3 h 36 min 19 s
